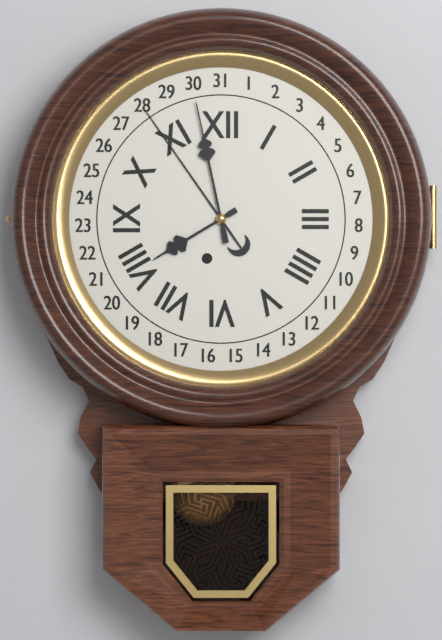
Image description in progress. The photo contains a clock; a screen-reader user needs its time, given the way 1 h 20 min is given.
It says 7 h 58 min
